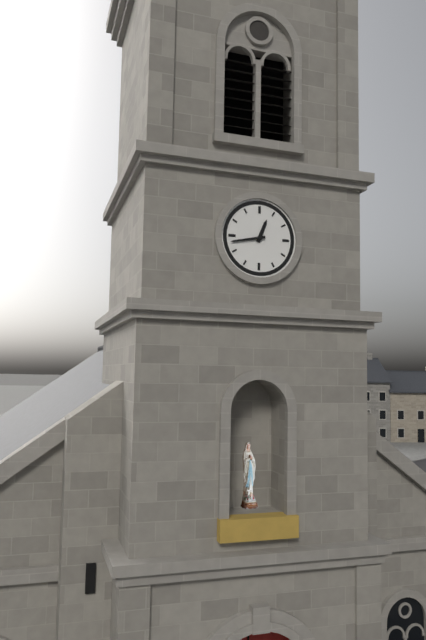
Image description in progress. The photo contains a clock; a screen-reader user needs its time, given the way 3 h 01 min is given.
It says 12 h 43 min
